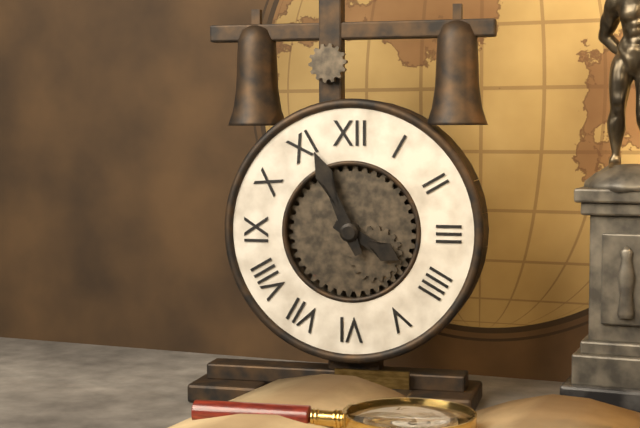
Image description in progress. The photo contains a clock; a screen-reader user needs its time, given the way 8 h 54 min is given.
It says 3 h 56 min
